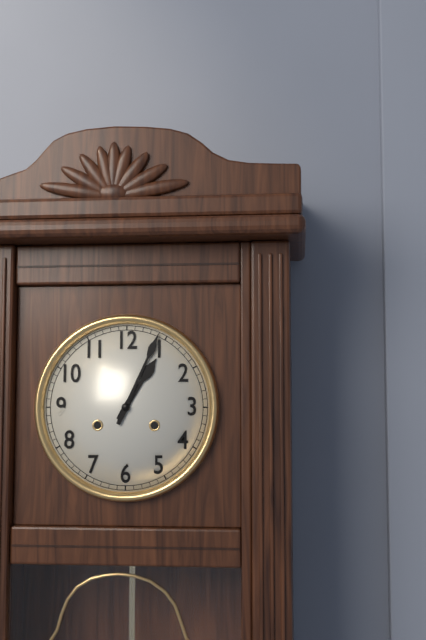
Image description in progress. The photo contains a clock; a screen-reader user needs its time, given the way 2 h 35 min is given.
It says 1 h 04 min
